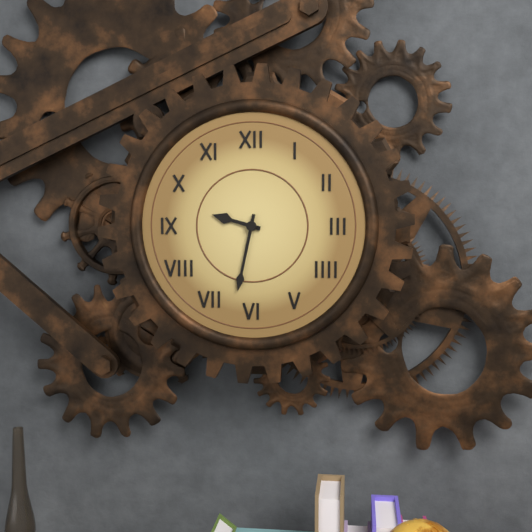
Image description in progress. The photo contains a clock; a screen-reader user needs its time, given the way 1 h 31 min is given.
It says 9 h 32 min
